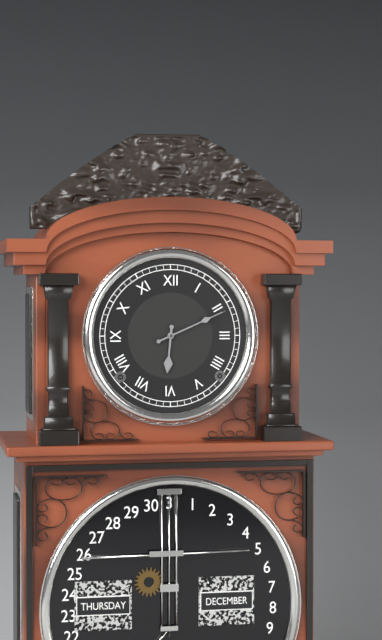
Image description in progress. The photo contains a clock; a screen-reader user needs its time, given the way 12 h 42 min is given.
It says 6 h 11 min
